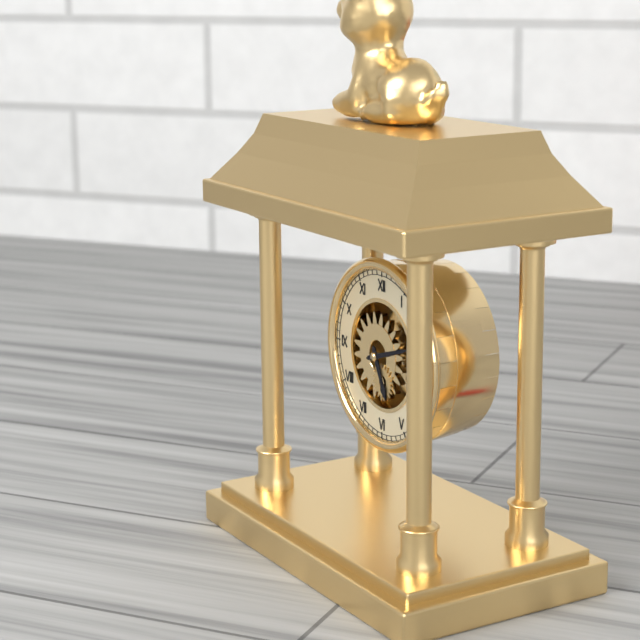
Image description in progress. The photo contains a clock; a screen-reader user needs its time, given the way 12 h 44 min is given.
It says 5 h 12 min
